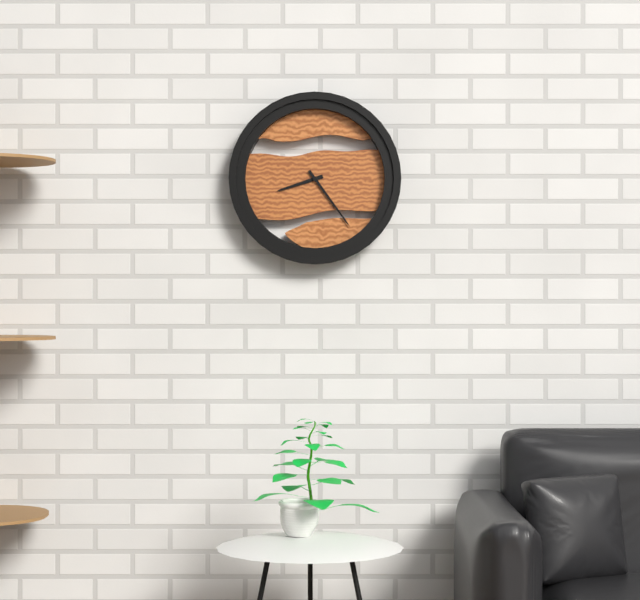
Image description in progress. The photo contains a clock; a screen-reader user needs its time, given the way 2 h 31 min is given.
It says 8 h 24 min
